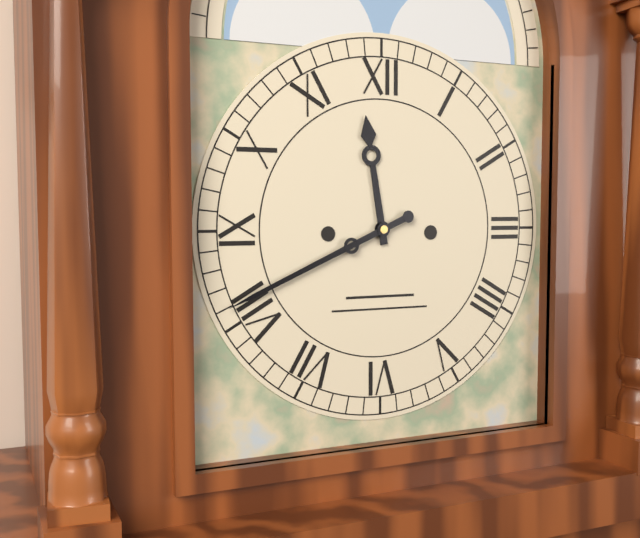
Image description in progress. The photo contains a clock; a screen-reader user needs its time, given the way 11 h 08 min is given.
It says 11 h 41 min
